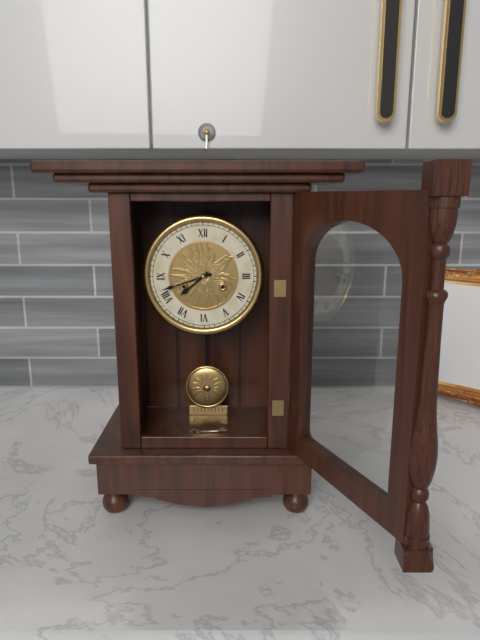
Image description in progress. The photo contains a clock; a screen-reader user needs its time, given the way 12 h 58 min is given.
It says 7 h 42 min
